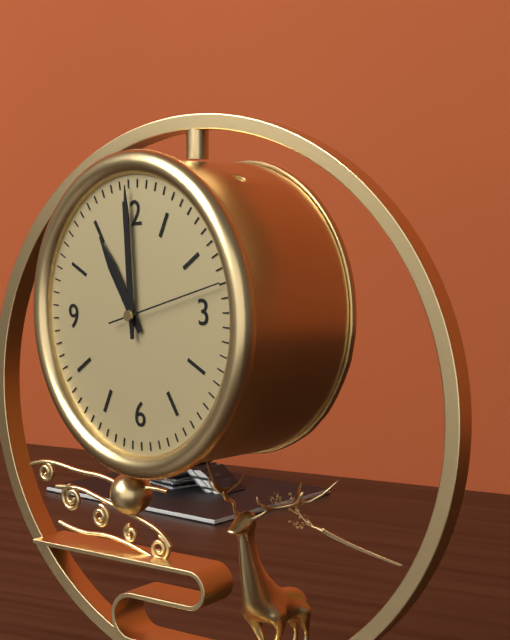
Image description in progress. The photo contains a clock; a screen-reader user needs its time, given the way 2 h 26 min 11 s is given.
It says 11 h 00 min 13 s
